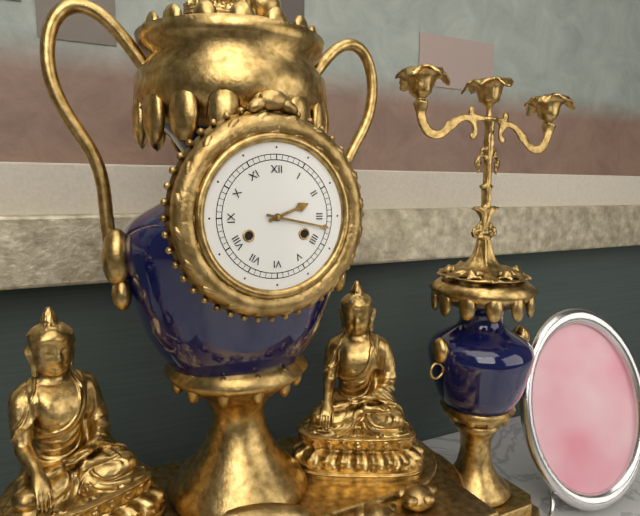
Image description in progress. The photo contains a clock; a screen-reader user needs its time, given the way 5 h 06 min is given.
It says 2 h 17 min
